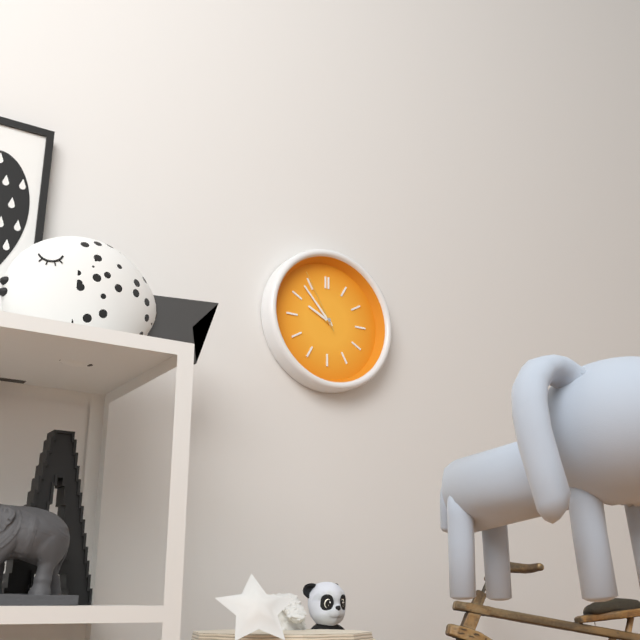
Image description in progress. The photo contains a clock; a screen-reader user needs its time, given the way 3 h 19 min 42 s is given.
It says 9 h 53 min 55 s
